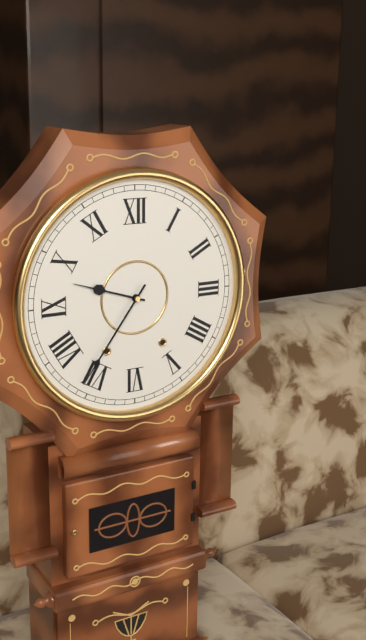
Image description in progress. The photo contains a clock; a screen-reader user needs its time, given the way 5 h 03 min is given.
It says 9 h 36 min
